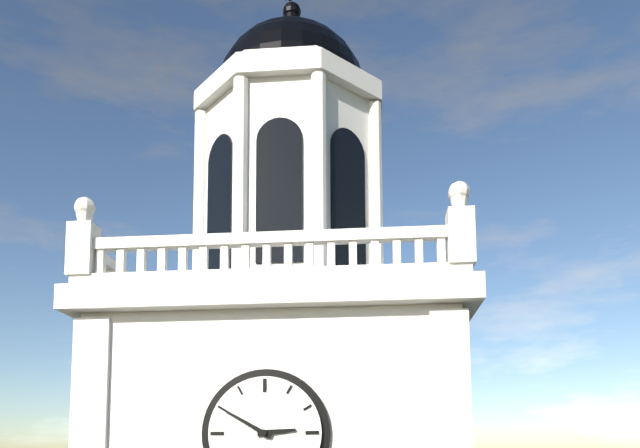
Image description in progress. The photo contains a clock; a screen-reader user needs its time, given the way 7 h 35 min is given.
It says 2 h 50 min
